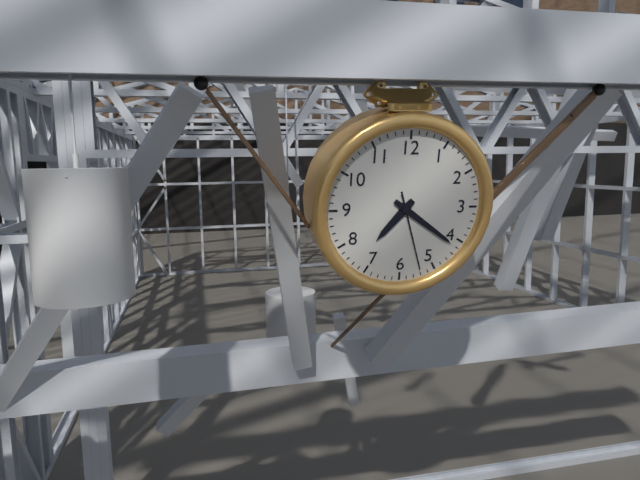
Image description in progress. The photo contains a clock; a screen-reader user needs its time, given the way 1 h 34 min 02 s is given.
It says 7 h 21 min 27 s
